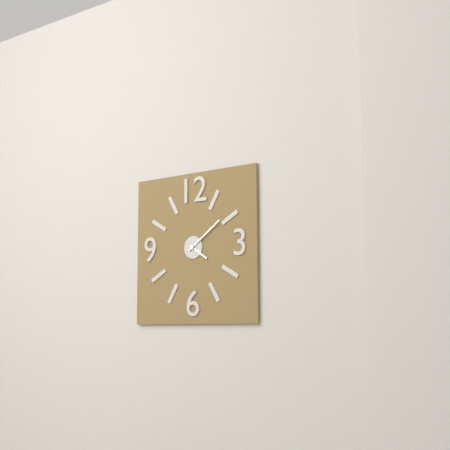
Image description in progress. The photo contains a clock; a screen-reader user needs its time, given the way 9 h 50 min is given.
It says 4 h 09 min
